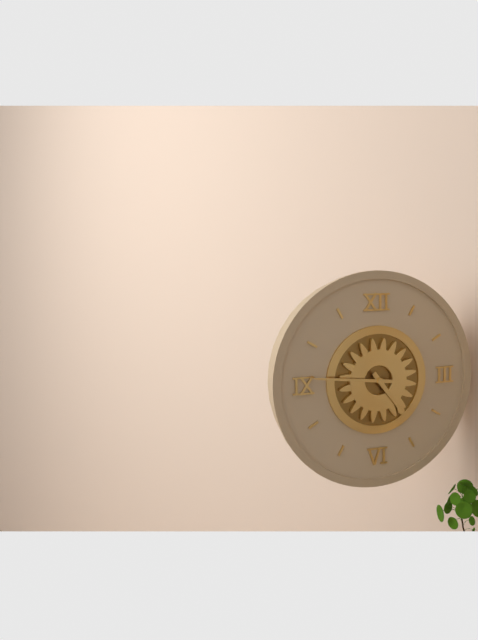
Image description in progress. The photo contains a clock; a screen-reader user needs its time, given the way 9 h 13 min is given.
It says 4 h 46 min
